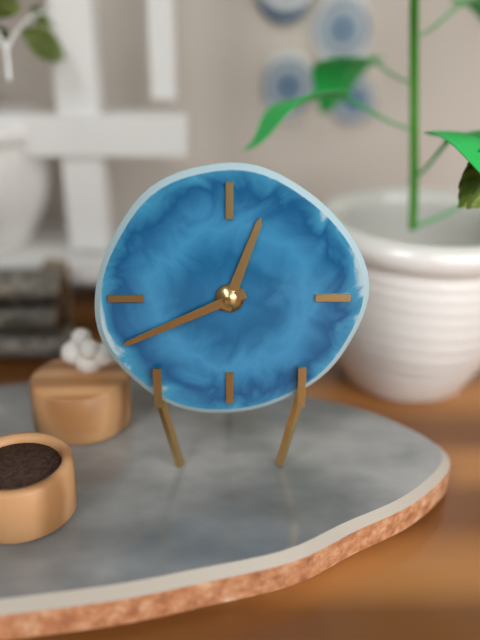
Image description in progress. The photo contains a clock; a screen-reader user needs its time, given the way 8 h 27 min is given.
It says 12 h 41 min
